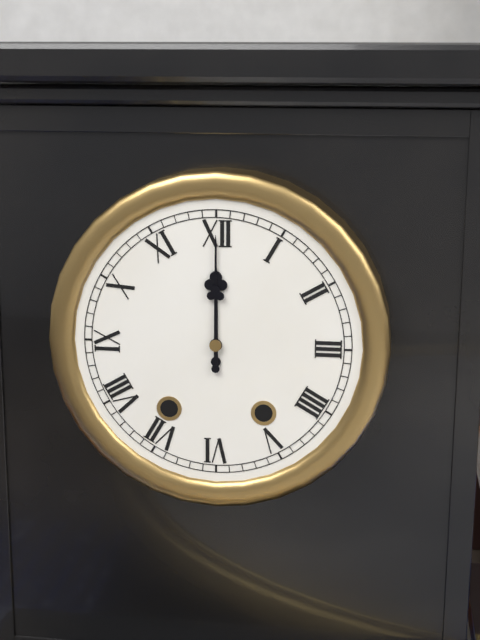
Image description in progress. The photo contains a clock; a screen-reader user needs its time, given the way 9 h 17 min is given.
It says 12 h 00 min
